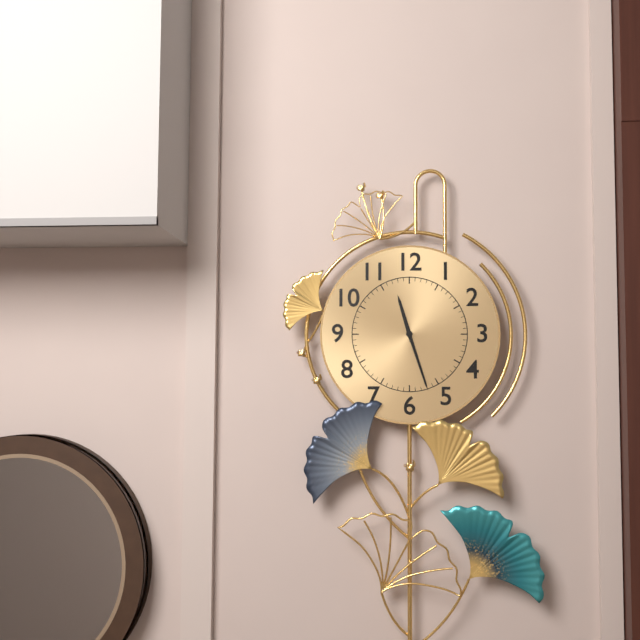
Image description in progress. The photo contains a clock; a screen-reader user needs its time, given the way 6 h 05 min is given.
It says 11 h 27 min
